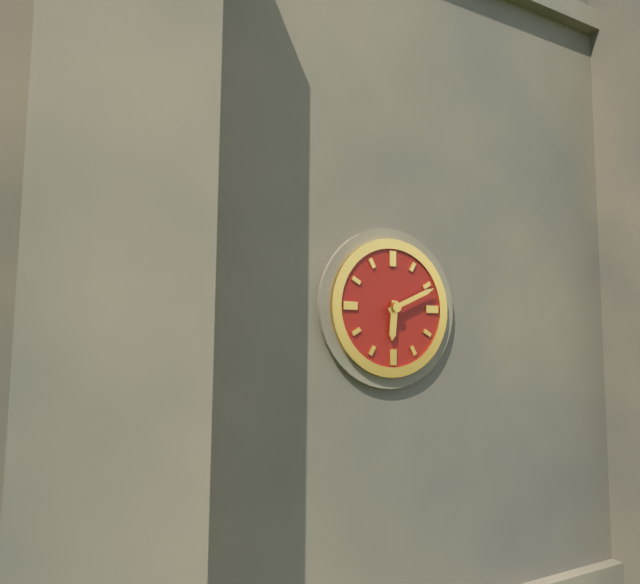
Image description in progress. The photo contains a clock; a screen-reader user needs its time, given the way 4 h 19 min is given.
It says 6 h 11 min
